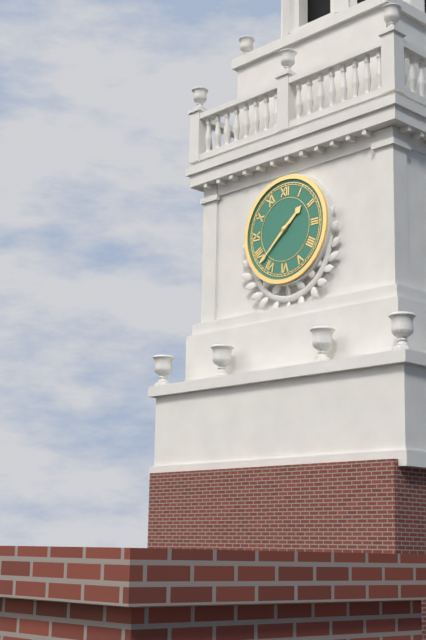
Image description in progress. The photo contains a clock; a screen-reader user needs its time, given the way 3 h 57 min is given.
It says 1 h 38 min
